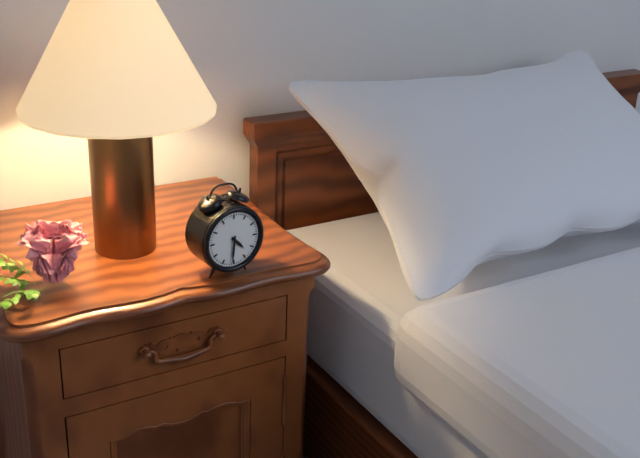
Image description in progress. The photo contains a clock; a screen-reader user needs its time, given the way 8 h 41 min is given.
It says 4 h 31 min
